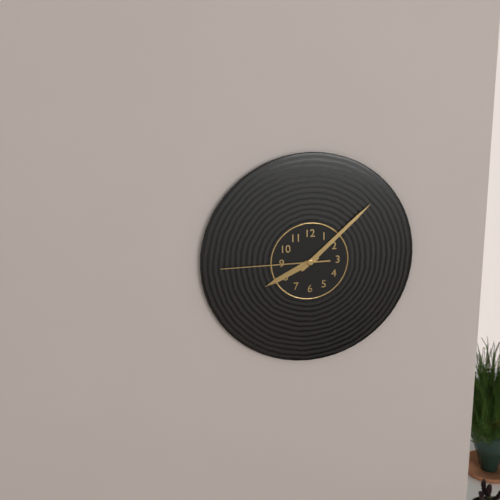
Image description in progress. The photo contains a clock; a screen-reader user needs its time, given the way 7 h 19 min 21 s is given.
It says 8 h 08 min 45 s
